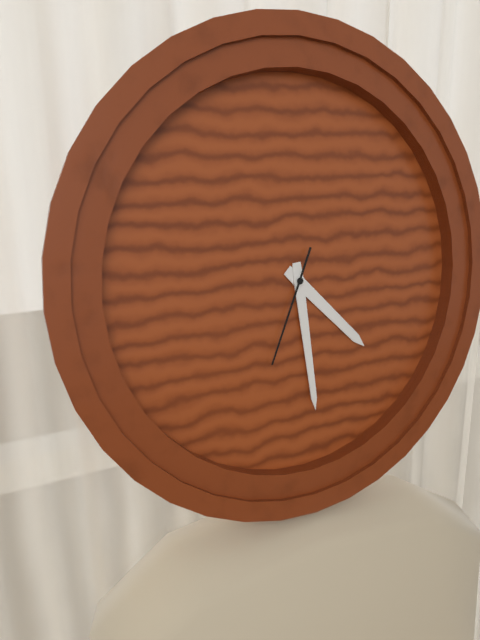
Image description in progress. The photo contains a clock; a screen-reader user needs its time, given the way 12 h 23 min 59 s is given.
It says 4 h 29 min 34 s
